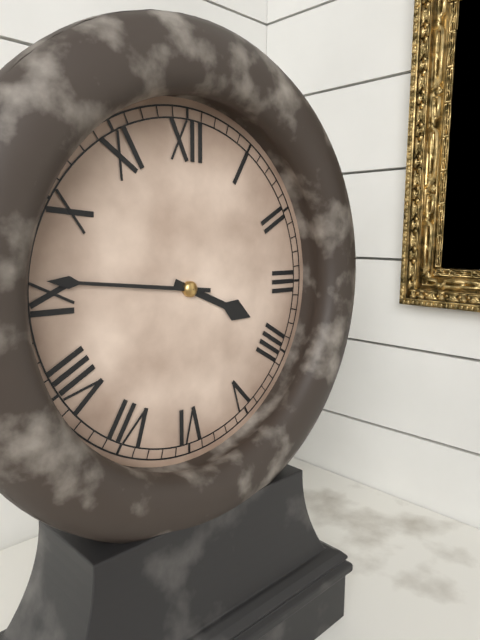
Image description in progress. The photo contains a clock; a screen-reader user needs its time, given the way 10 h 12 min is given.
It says 3 h 46 min
